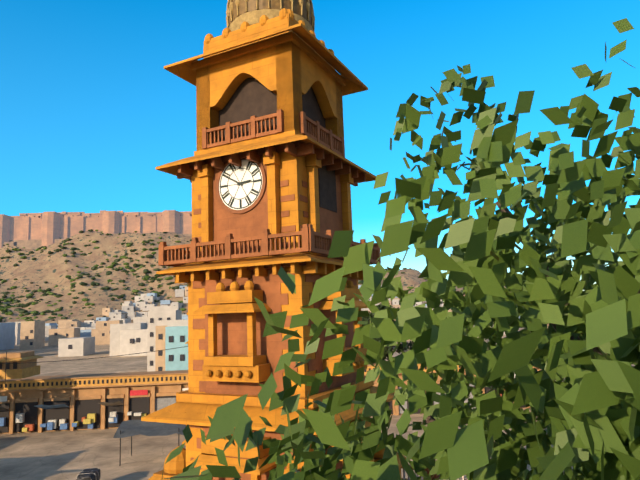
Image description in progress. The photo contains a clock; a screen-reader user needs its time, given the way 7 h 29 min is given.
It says 2 h 50 min
